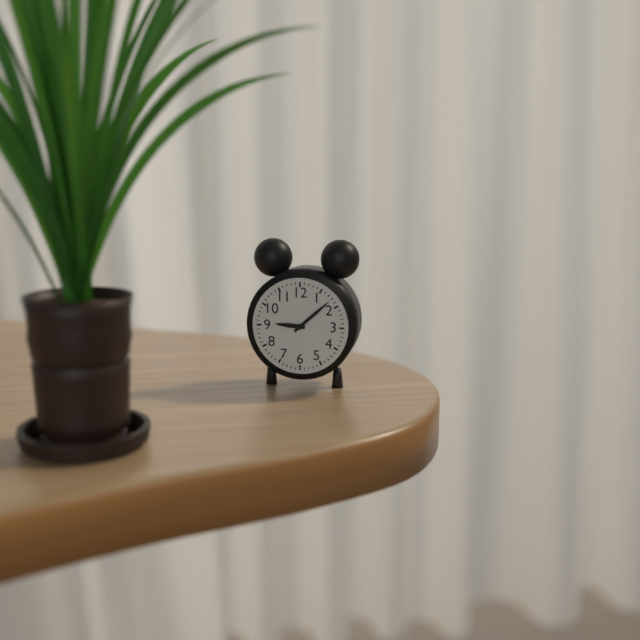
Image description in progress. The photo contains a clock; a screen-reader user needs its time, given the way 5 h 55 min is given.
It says 9 h 08 min
